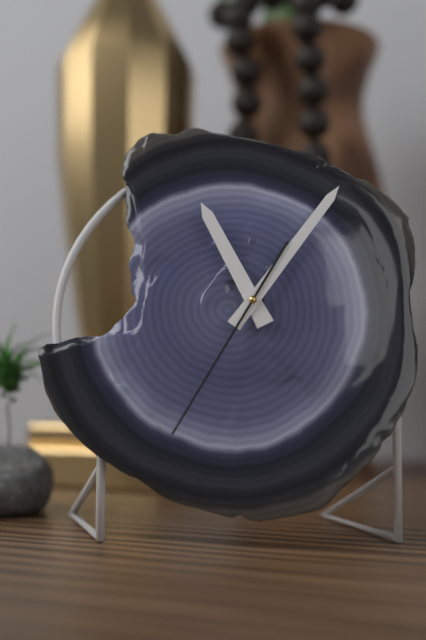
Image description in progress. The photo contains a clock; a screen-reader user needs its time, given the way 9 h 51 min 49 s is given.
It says 11 h 06 min 35 s
